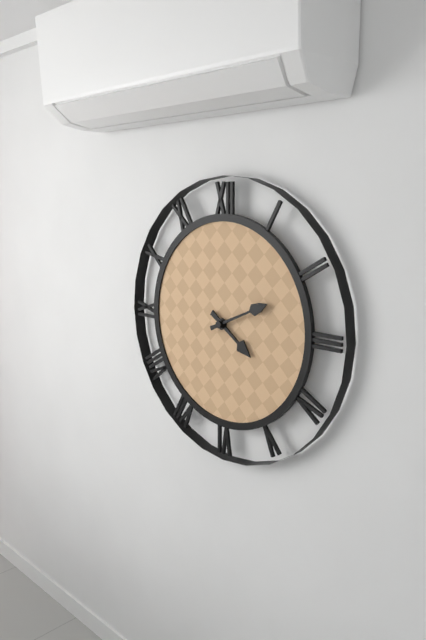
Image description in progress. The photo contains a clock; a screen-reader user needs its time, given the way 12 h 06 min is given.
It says 4 h 11 min
